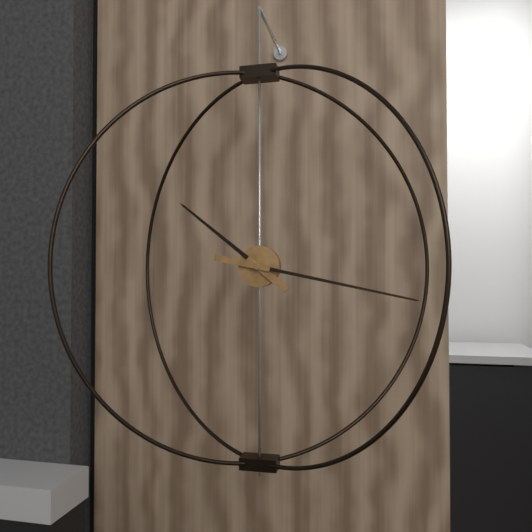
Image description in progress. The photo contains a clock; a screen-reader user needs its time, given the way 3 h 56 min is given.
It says 10 h 17 min
